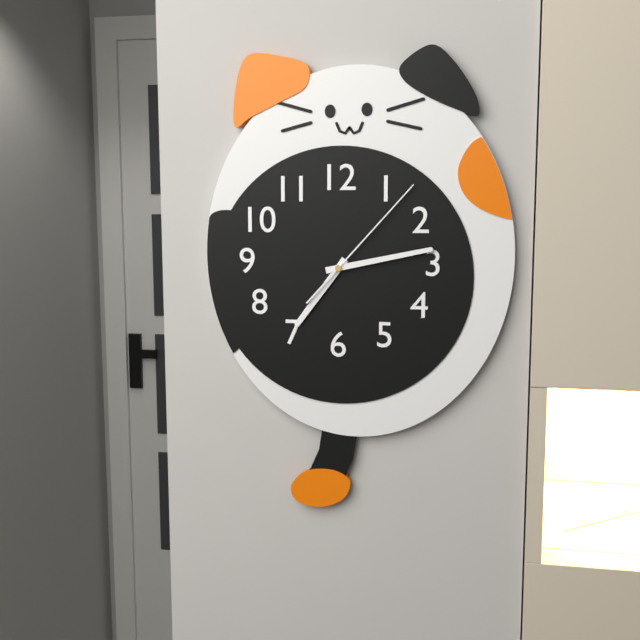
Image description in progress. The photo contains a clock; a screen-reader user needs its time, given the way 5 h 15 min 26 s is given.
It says 7 h 13 min 07 s
